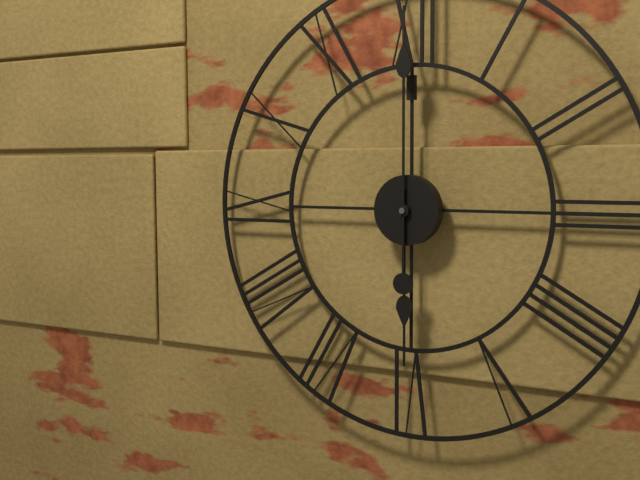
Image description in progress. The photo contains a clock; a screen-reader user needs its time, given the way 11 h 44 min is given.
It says 6 h 00 min
